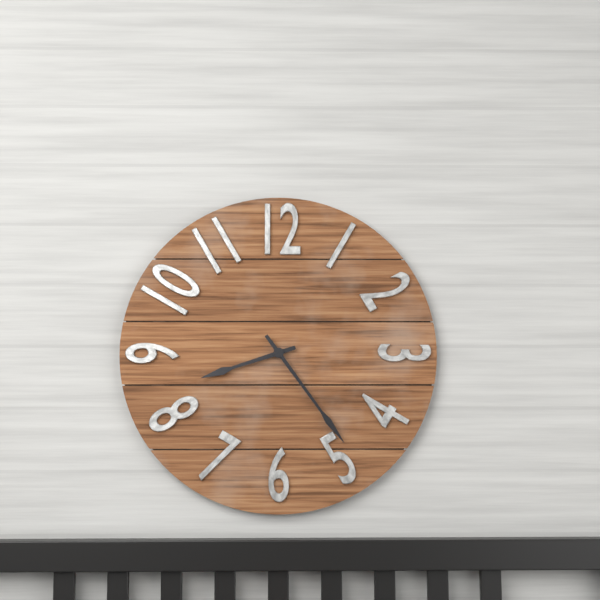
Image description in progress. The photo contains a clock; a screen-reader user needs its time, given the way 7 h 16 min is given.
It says 8 h 24 min
